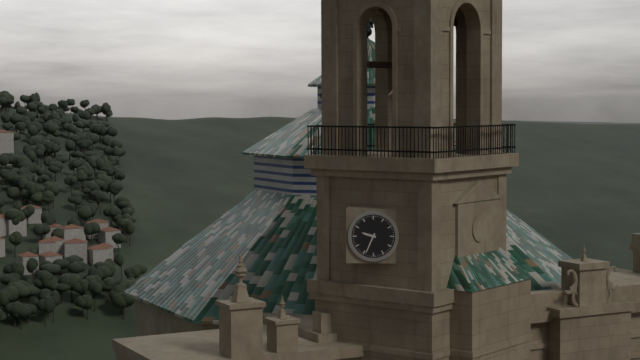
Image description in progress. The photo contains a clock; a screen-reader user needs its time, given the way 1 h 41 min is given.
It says 9 h 34 min
